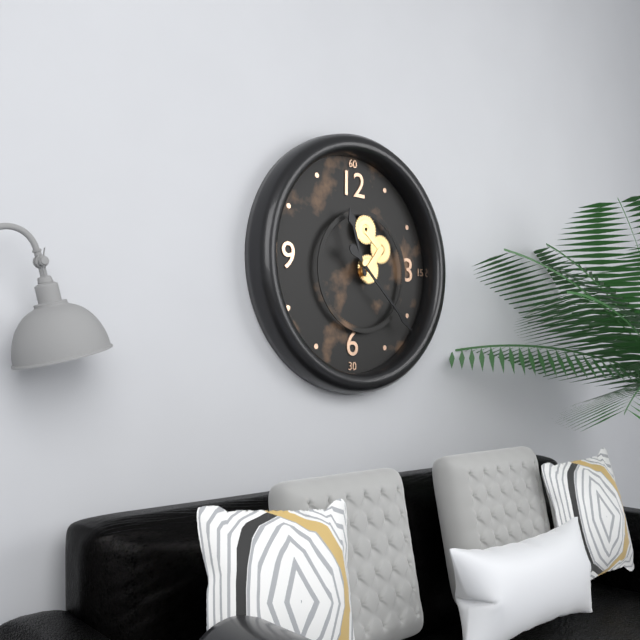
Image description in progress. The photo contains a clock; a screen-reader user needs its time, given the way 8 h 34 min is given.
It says 11 h 22 min
